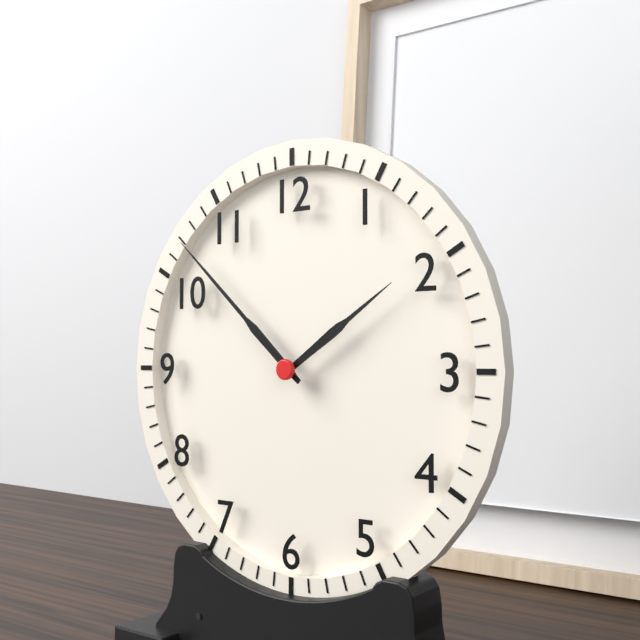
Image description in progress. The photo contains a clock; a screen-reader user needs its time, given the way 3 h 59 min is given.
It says 1 h 52 min
